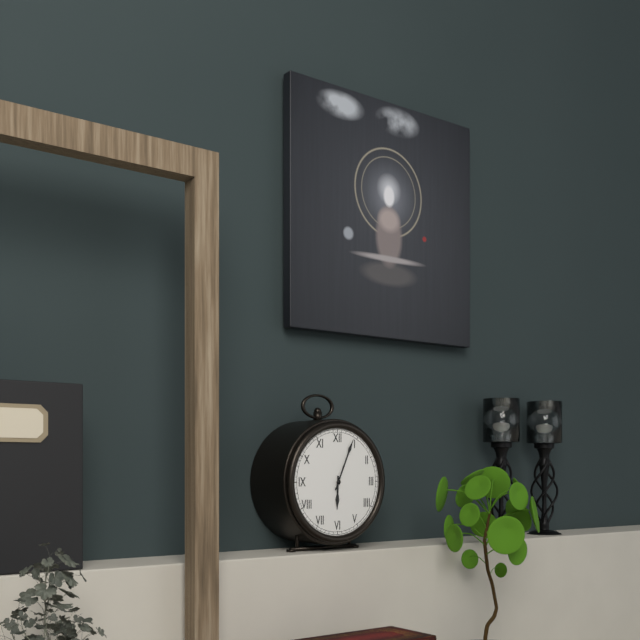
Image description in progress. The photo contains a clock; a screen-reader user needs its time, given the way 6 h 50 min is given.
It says 6 h 04 min
